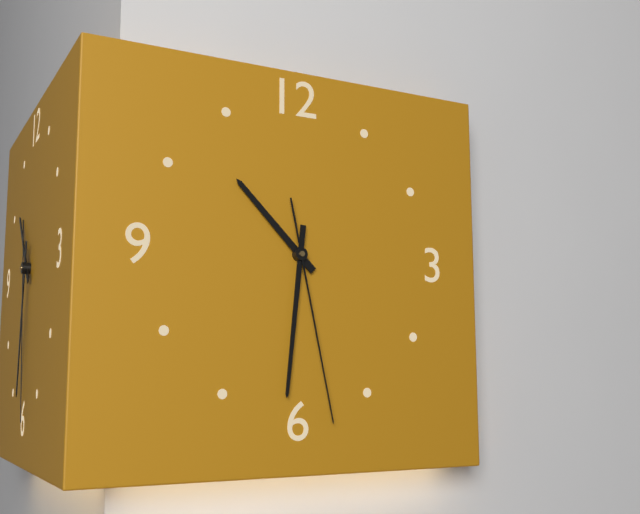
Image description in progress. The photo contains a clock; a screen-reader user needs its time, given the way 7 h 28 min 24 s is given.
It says 10 h 31 min 28 s
